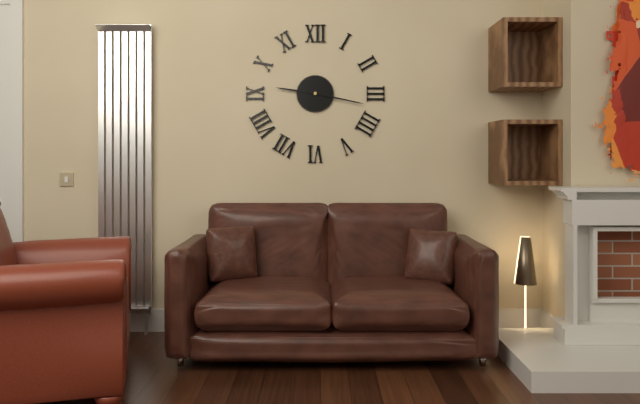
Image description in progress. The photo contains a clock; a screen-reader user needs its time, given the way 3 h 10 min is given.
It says 9 h 17 min
